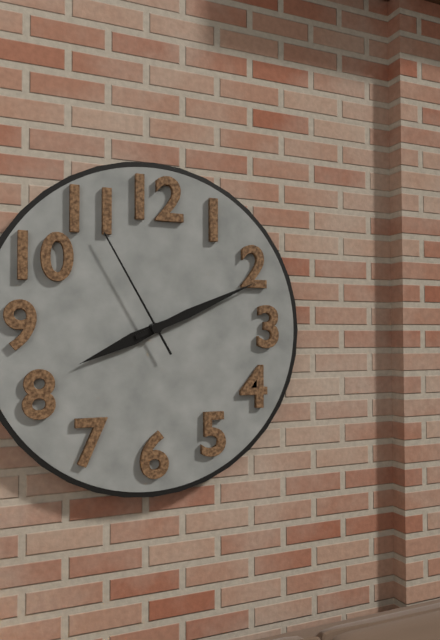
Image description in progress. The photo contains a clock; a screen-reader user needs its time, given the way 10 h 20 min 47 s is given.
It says 8 h 11 min 55 s
